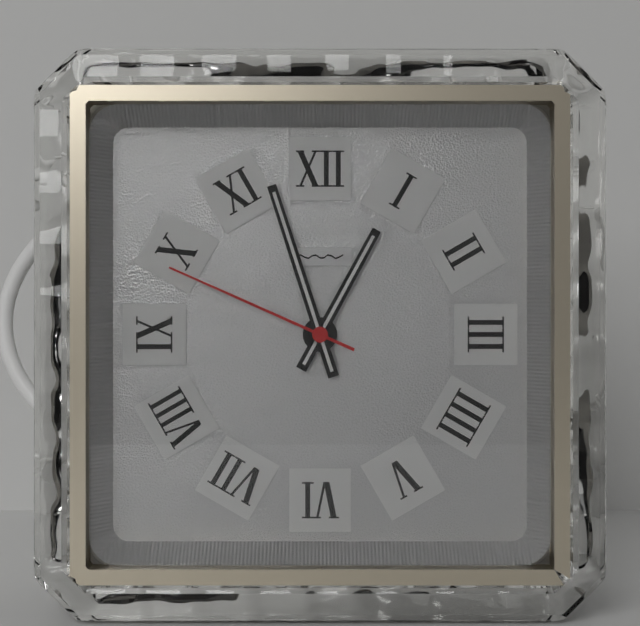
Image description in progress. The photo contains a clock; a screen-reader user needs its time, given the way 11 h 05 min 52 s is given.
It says 12 h 57 min 49 s
